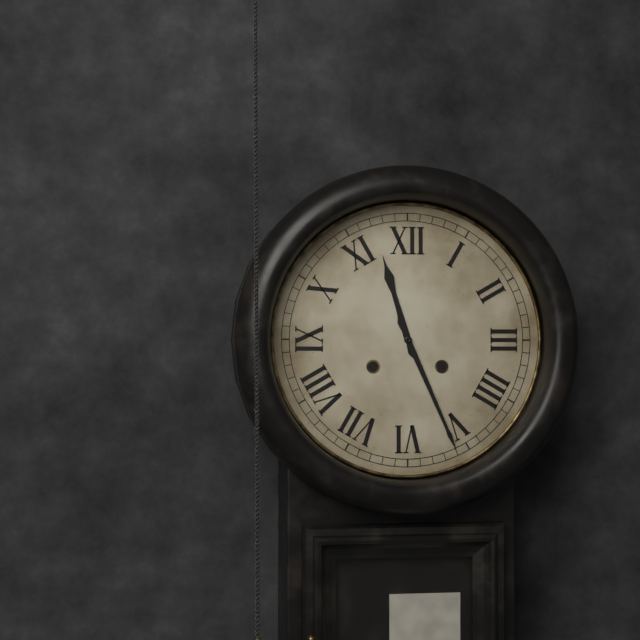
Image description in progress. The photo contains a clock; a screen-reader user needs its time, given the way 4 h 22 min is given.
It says 11 h 26 min
